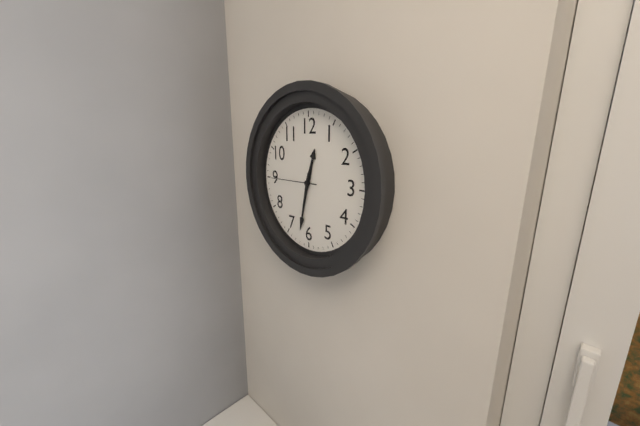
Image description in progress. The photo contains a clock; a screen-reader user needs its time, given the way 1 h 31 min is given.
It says 12 h 32 min
